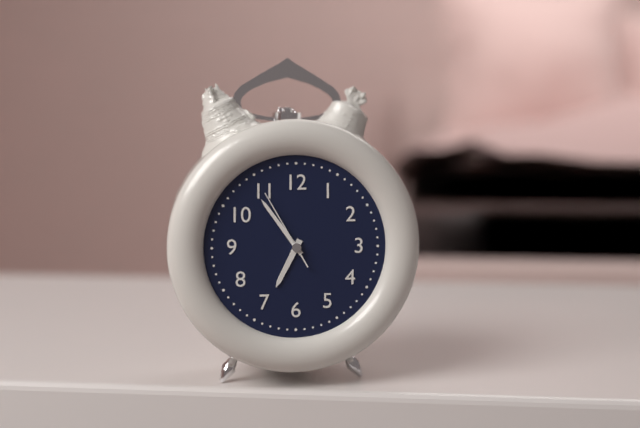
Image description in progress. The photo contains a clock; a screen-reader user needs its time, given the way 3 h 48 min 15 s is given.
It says 6 h 54 min 55 s
